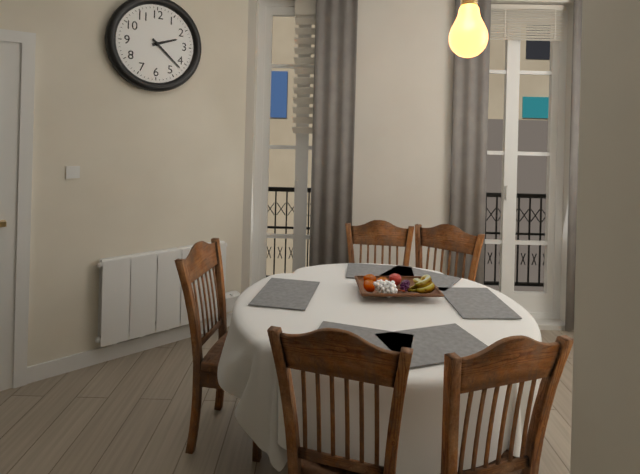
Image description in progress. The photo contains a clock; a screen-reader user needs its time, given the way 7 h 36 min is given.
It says 2 h 22 min
